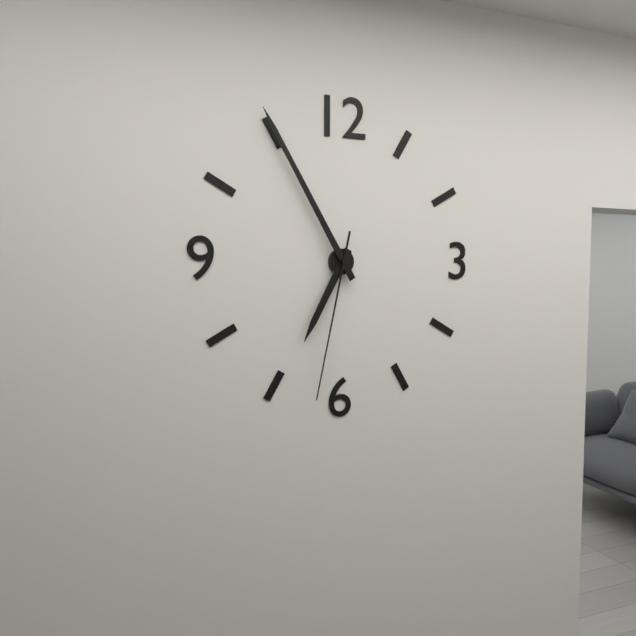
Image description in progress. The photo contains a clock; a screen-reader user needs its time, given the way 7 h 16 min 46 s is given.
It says 6 h 55 min 32 s
